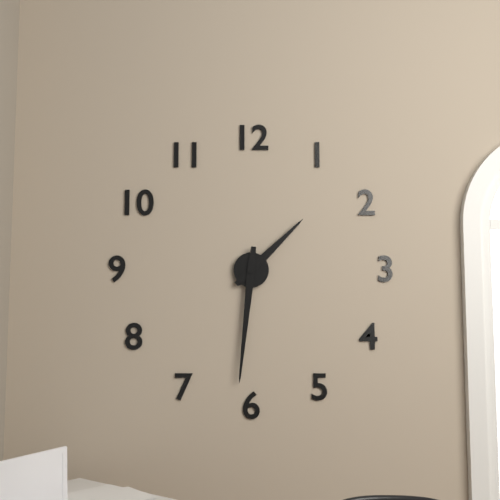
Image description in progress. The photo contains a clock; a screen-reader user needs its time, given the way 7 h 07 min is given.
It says 1 h 31 min
